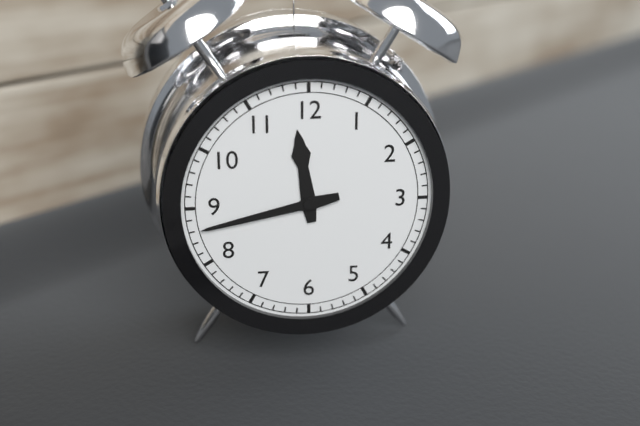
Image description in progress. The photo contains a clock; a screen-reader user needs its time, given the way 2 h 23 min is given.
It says 11 h 43 min
